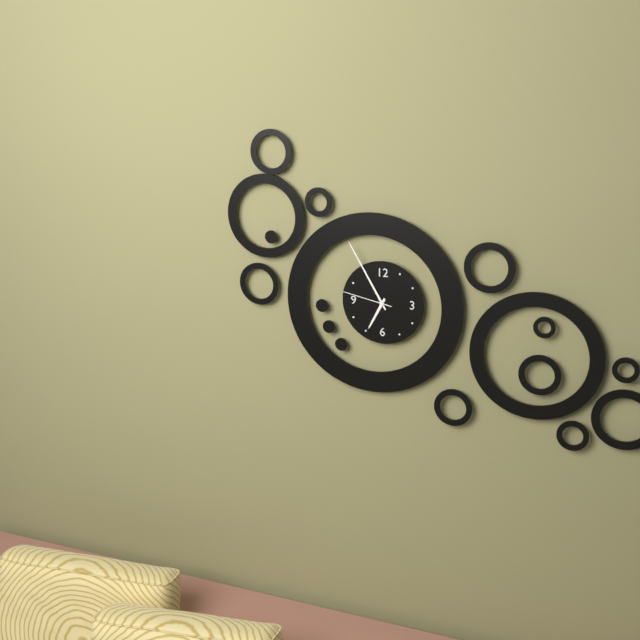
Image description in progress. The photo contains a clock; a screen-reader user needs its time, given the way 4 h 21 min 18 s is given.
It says 6 h 55 min 47 s
